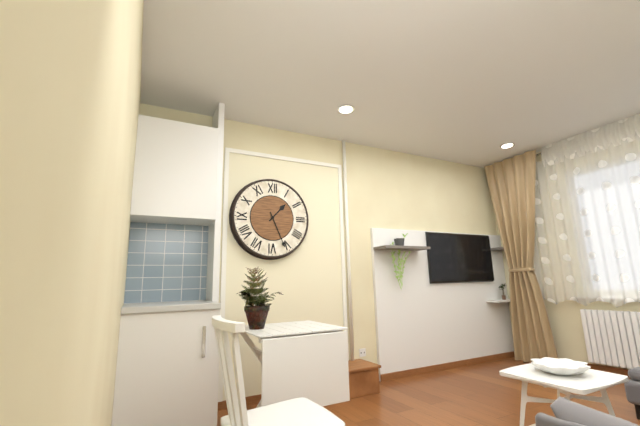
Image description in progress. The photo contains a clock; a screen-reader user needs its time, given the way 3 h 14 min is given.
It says 1 h 26 min
